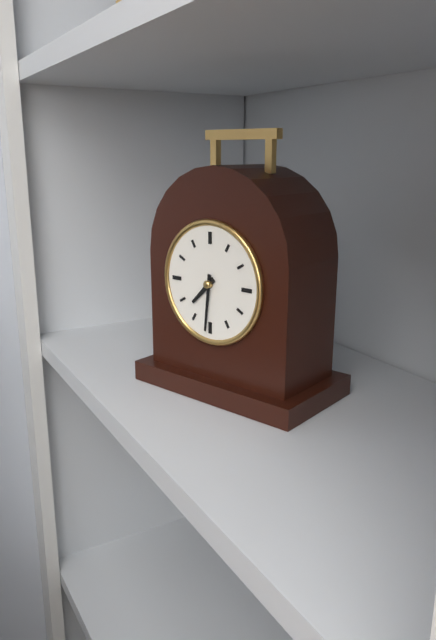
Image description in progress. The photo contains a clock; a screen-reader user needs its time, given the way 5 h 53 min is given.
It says 7 h 31 min
